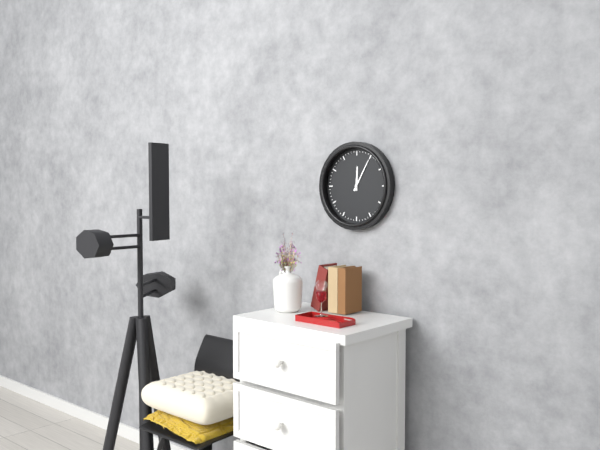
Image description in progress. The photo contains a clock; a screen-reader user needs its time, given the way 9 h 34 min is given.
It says 12 h 05 min
